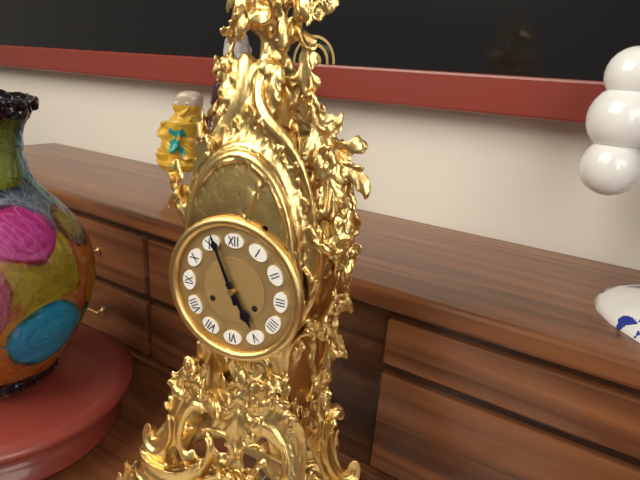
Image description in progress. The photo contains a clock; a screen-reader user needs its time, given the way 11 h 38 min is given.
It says 4 h 56 min
